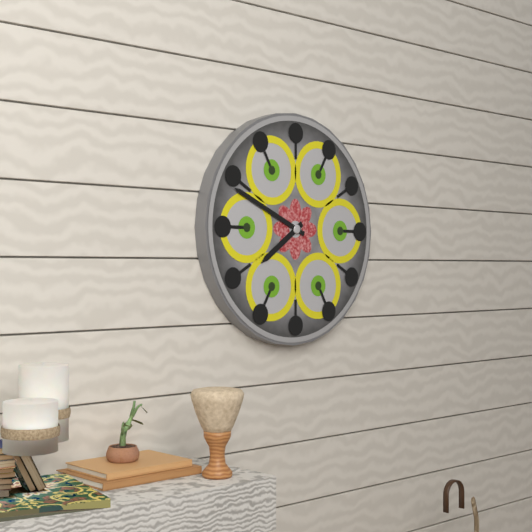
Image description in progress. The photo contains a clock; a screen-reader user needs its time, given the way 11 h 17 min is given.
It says 7 h 49 min
